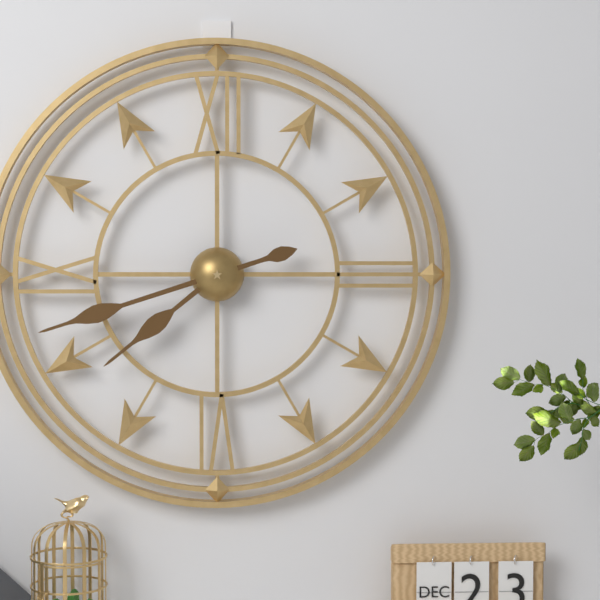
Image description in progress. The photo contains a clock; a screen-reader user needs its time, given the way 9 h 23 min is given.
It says 7 h 42 min
